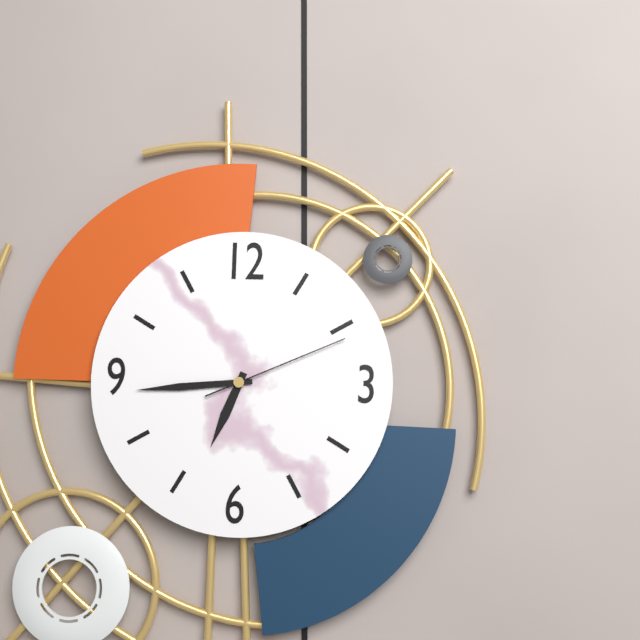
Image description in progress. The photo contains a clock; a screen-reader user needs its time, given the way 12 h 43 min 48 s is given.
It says 6 h 44 min 11 s
